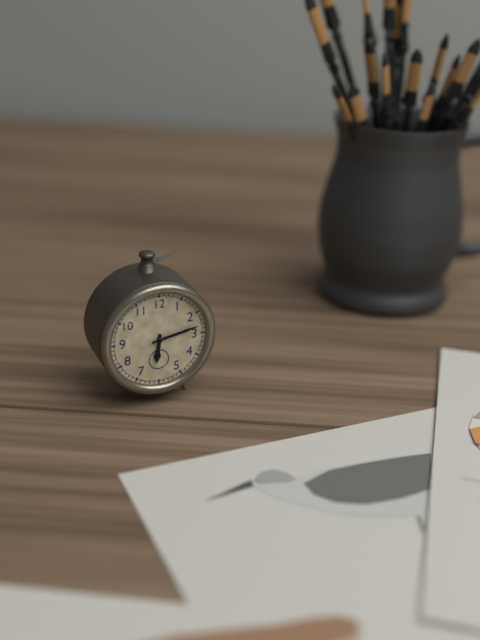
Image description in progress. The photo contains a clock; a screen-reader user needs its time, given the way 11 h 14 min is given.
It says 6 h 13 min
